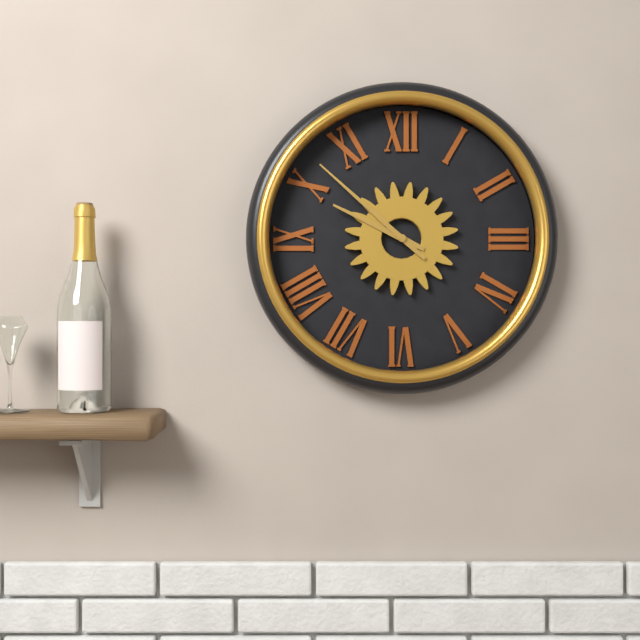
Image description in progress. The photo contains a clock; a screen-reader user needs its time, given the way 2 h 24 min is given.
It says 9 h 52 min
